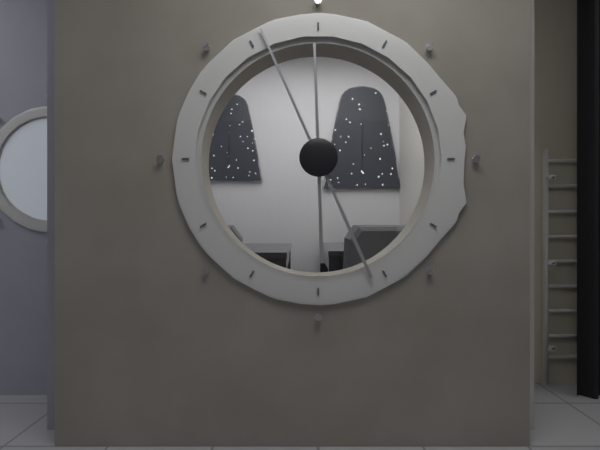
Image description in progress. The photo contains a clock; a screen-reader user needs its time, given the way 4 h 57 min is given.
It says 11 h 56 min
